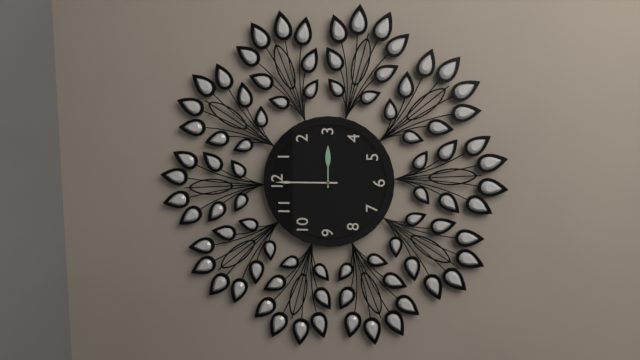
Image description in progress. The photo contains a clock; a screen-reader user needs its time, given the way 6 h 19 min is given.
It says 3 h 00 min
